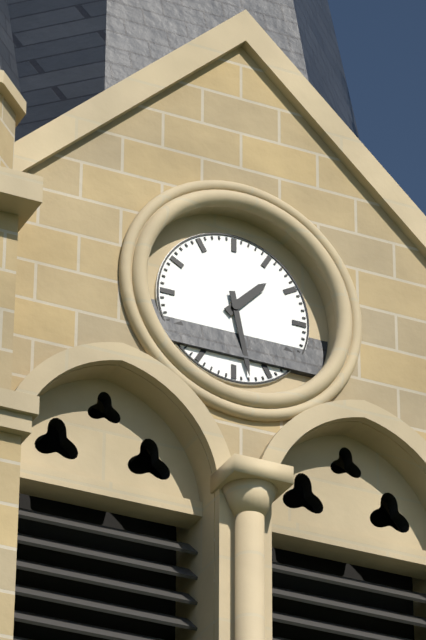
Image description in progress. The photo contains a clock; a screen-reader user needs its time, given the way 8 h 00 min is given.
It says 1 h 28 min
